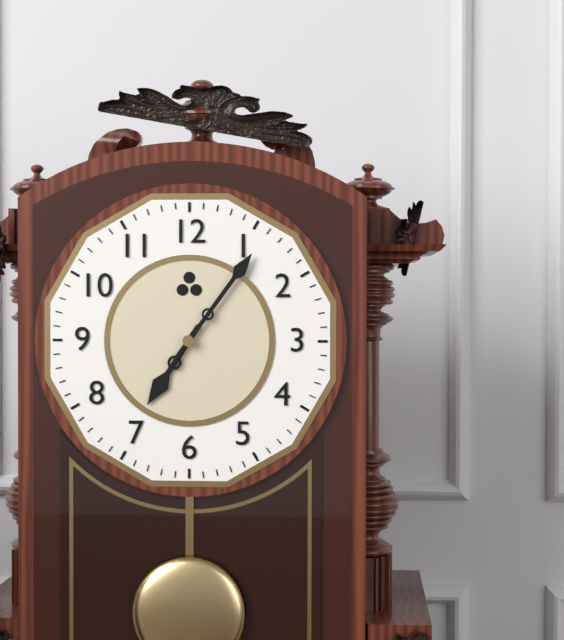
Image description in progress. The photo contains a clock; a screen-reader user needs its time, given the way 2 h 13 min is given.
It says 7 h 06 min
